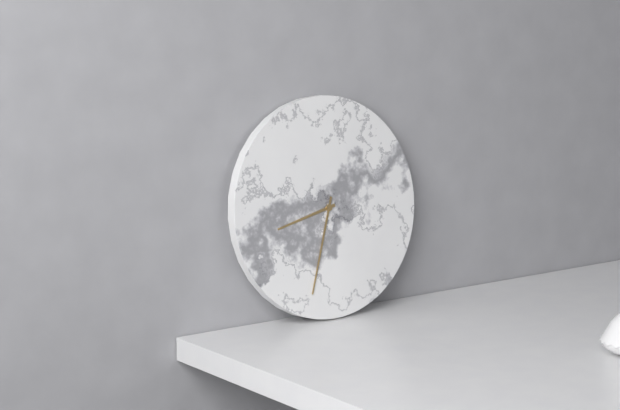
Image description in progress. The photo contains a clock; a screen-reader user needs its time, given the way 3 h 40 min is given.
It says 8 h 33 min
